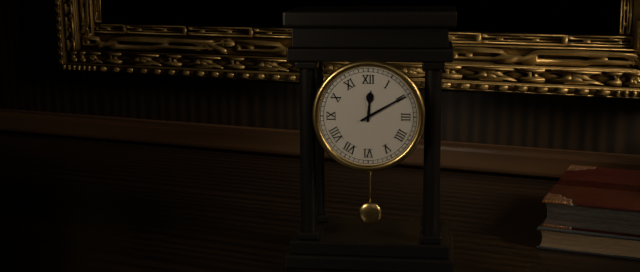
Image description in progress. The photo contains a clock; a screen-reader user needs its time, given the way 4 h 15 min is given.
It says 12 h 10 min
